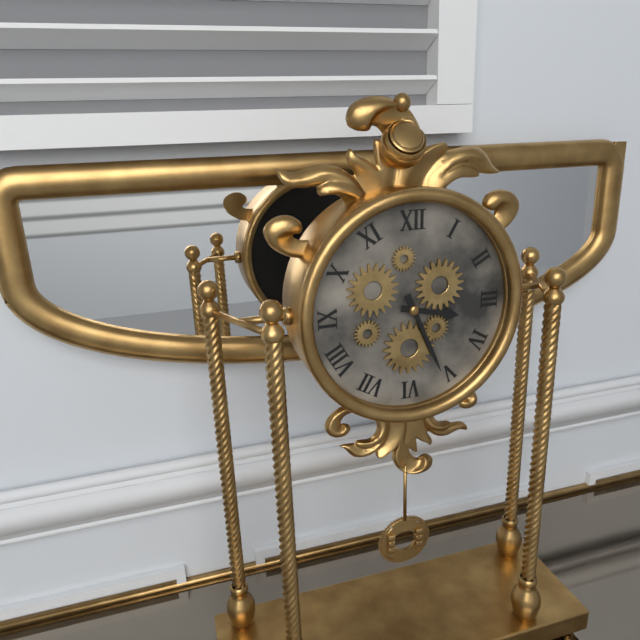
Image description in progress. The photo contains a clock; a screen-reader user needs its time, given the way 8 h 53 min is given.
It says 3 h 26 min
